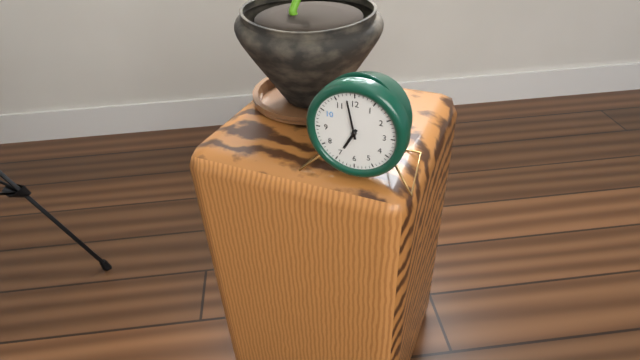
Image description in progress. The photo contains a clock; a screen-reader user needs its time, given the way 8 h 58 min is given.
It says 6 h 58 min
